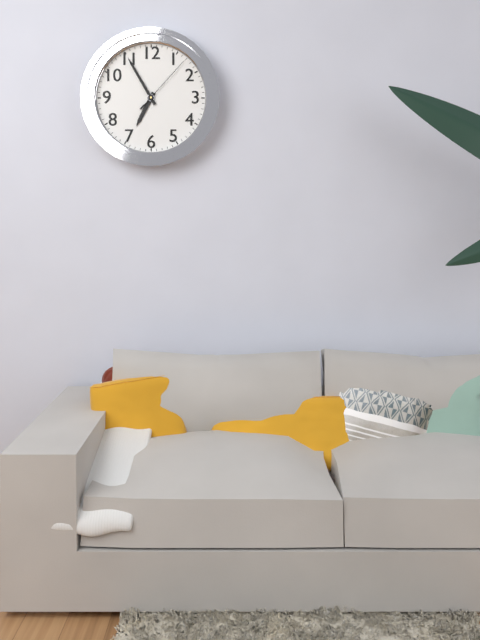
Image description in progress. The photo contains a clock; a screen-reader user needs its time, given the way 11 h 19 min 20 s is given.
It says 6 h 55 min 07 s
